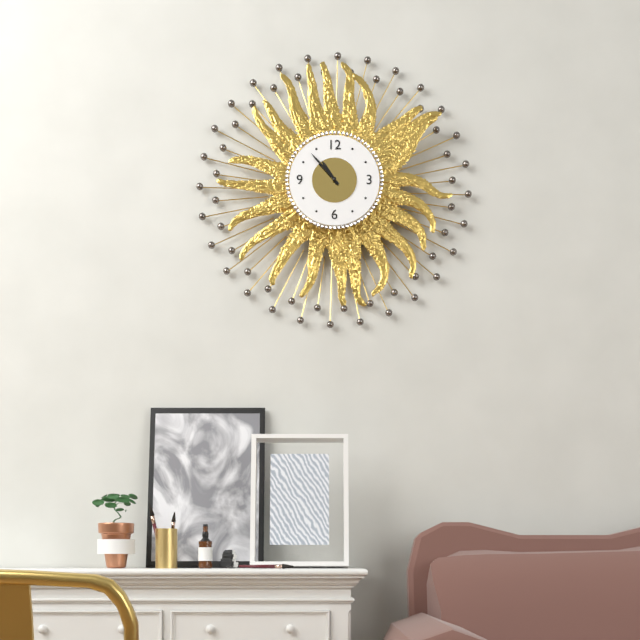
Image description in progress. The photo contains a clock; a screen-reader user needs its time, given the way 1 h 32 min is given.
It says 10 h 53 min
